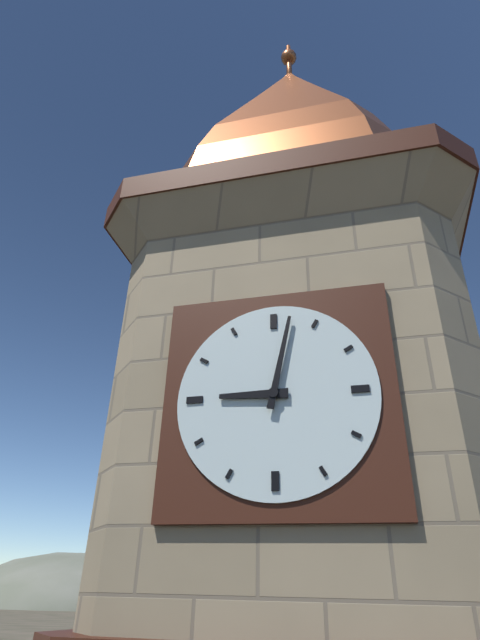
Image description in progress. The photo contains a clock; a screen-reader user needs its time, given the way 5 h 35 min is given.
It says 9 h 02 min
